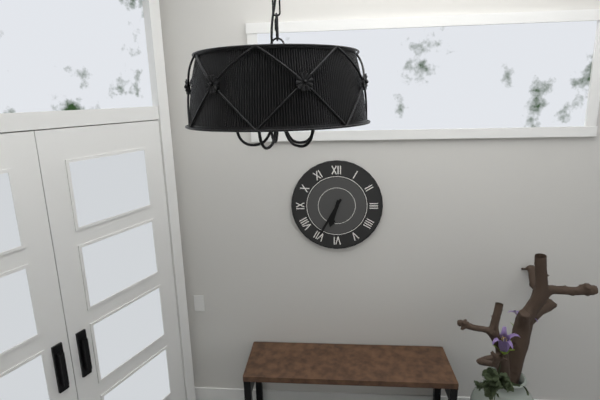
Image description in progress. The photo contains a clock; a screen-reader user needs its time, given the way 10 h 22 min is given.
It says 6 h 35 min
